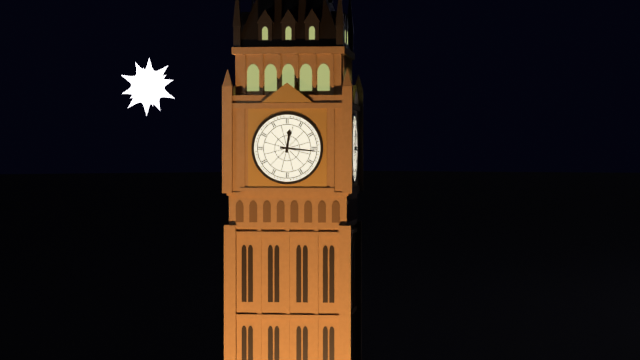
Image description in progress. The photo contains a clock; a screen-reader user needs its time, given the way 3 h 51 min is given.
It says 12 h 16 min
